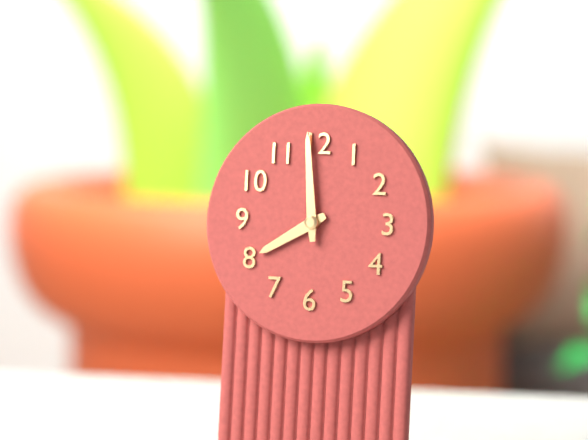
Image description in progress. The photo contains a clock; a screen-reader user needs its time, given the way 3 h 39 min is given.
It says 7 h 59 min
